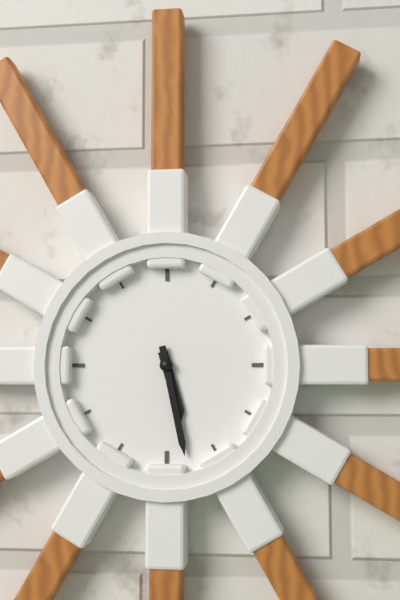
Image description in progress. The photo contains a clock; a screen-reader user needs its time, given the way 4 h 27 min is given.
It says 5 h 28 min
